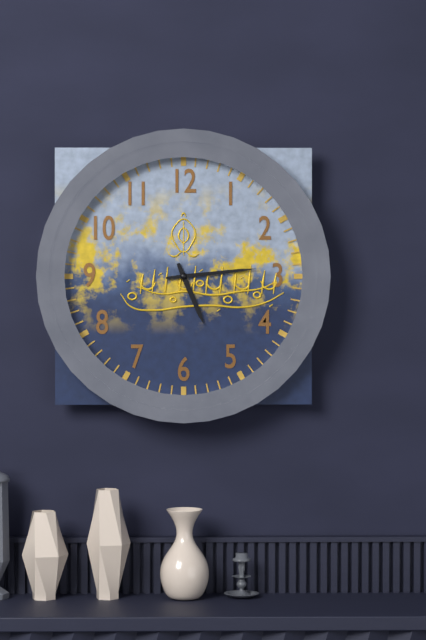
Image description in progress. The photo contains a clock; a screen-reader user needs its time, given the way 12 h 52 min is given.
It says 5 h 14 min
